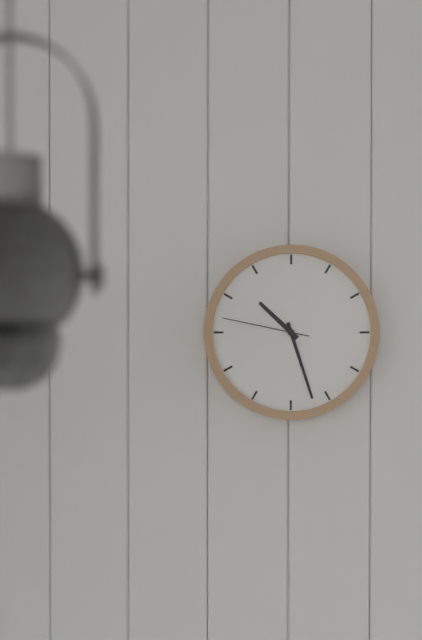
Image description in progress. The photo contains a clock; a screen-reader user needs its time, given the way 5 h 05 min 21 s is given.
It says 10 h 27 min 47 s
